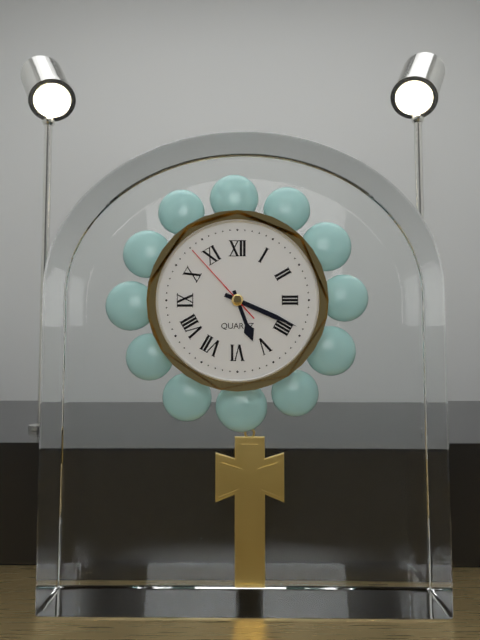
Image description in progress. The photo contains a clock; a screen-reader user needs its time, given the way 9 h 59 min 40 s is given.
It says 5 h 19 min 53 s
